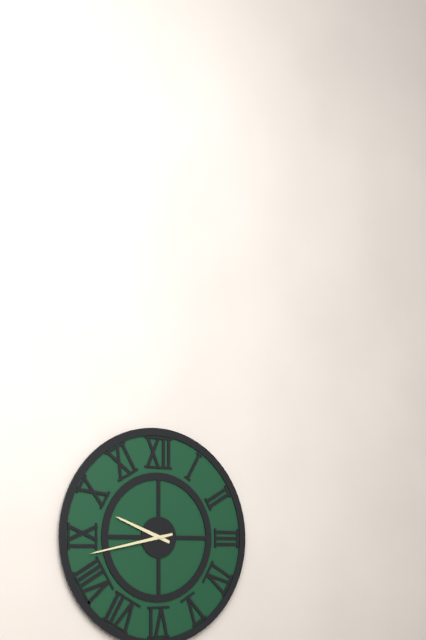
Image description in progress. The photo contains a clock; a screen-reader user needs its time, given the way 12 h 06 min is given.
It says 9 h 43 min
